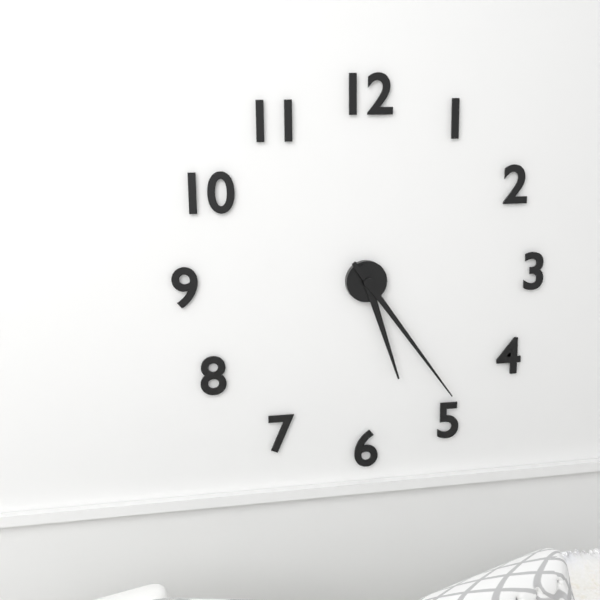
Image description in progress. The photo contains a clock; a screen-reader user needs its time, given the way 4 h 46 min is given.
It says 5 h 24 min
